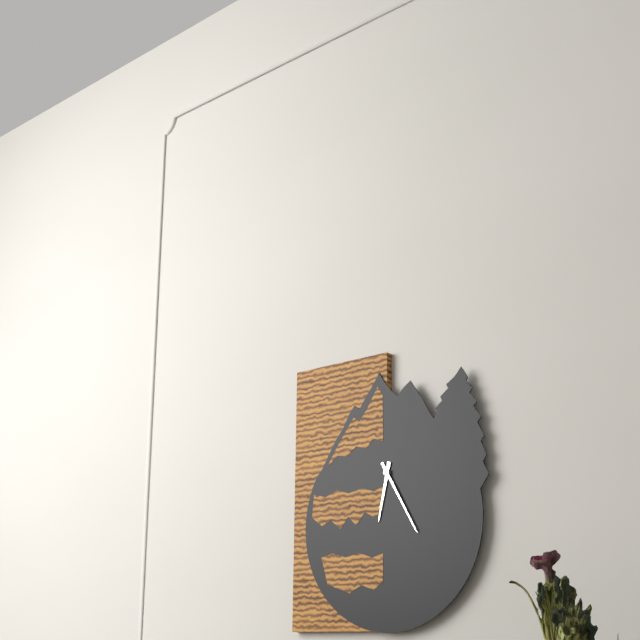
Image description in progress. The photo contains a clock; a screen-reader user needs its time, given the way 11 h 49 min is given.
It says 6 h 25 min
